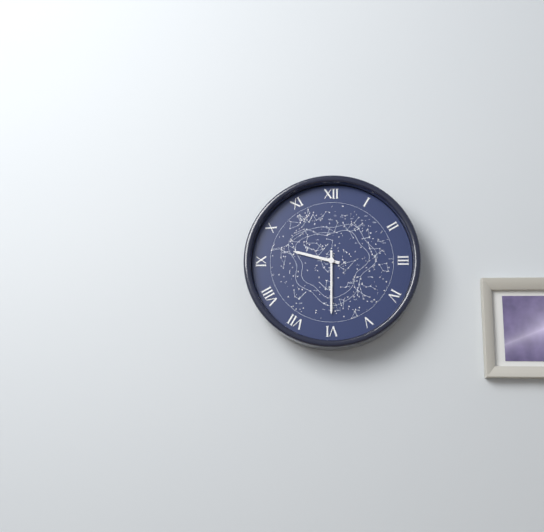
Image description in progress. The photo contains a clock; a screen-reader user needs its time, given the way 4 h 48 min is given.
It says 9 h 30 min
